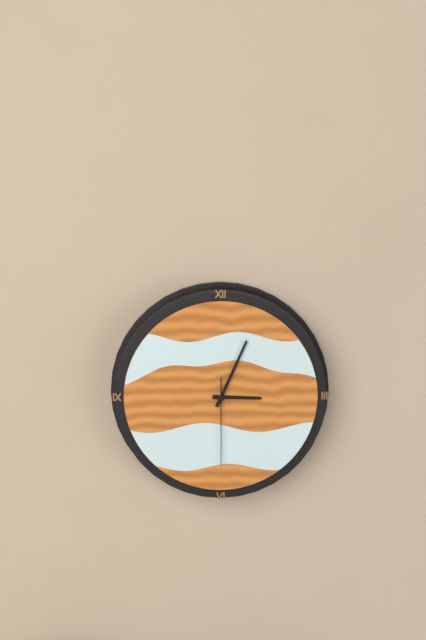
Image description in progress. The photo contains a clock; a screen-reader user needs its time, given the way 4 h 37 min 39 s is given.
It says 3 h 04 min 30 s
